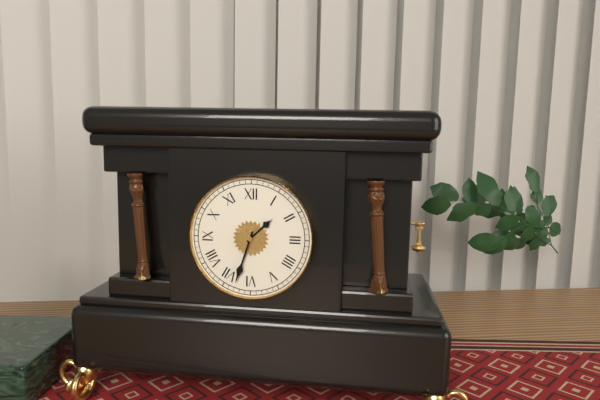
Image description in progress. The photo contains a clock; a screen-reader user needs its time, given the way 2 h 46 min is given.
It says 1 h 33 min
